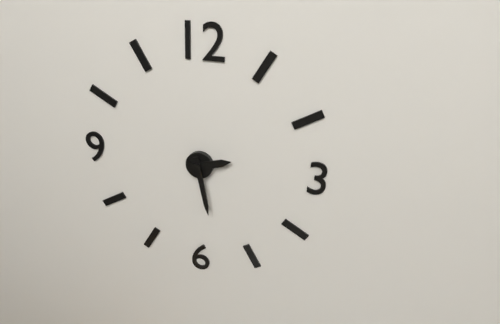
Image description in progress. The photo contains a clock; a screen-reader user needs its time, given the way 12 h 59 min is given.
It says 2 h 28 min
